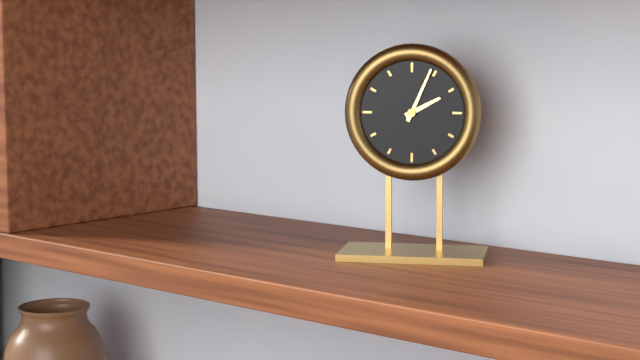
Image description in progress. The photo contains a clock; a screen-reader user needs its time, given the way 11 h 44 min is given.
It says 2 h 04 min
